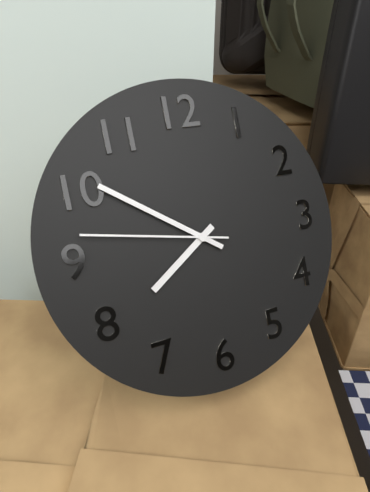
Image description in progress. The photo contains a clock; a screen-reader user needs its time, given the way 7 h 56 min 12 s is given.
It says 7 h 51 min 47 s
